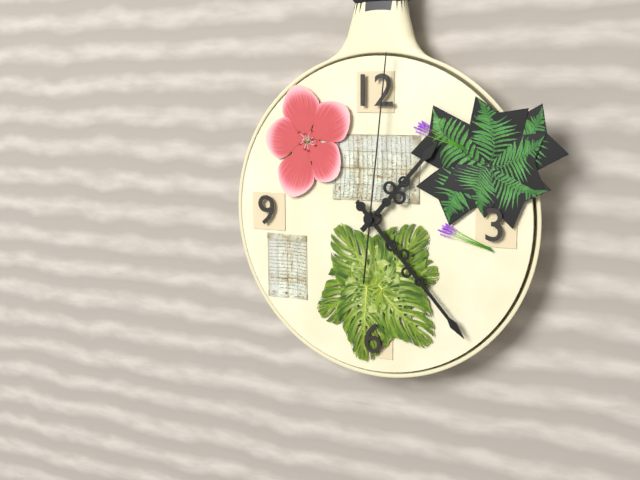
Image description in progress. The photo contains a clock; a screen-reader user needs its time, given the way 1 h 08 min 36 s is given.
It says 1 h 23 min 01 s
